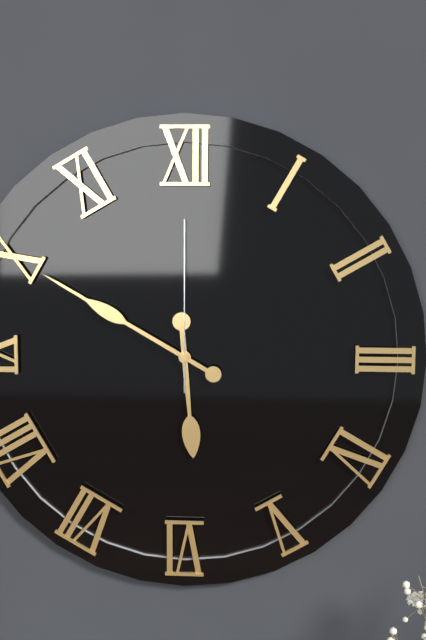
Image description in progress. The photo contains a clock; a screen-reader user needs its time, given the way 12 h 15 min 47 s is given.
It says 5 h 50 min 00 s
